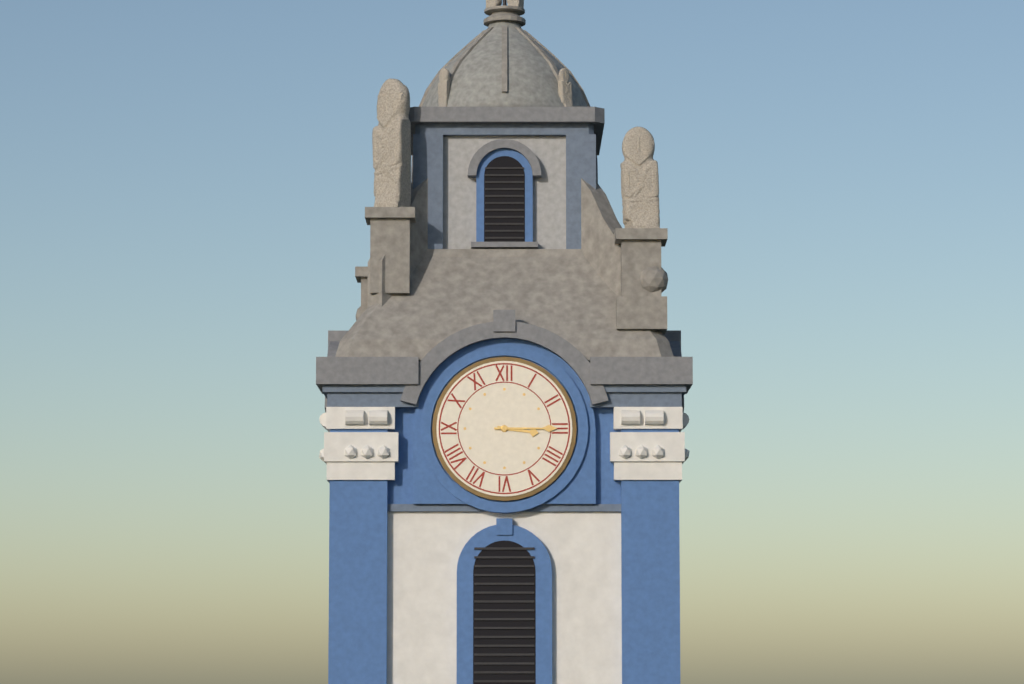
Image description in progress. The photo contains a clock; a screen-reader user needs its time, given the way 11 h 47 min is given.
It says 3 h 15 min
